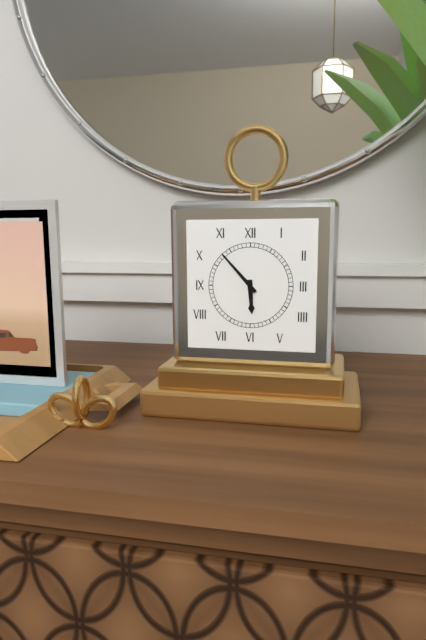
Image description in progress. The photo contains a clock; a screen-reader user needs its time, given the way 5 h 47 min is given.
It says 5 h 53 min
